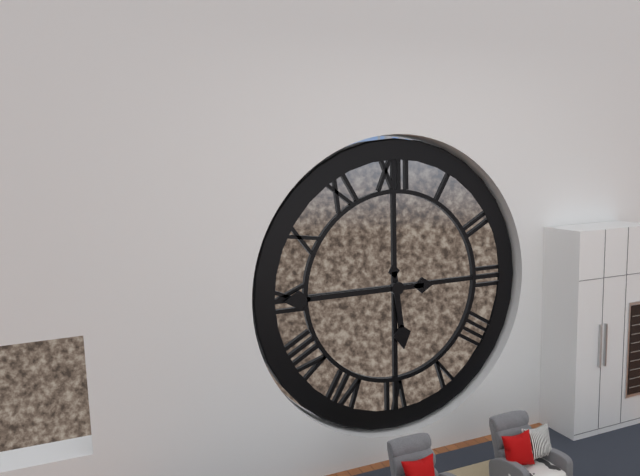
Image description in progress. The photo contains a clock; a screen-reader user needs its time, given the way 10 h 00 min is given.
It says 5 h 45 min
